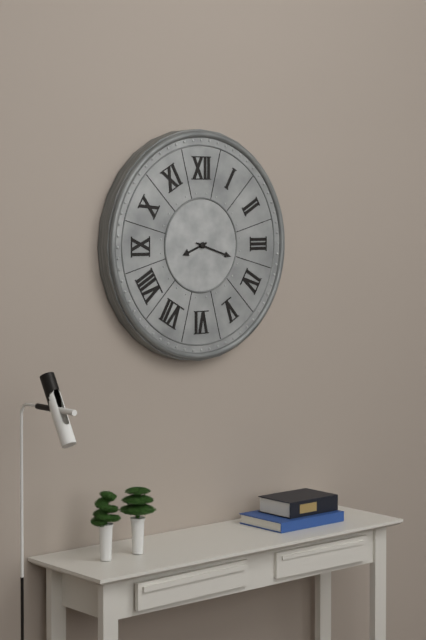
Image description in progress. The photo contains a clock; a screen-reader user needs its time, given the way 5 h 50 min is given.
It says 8 h 18 min
